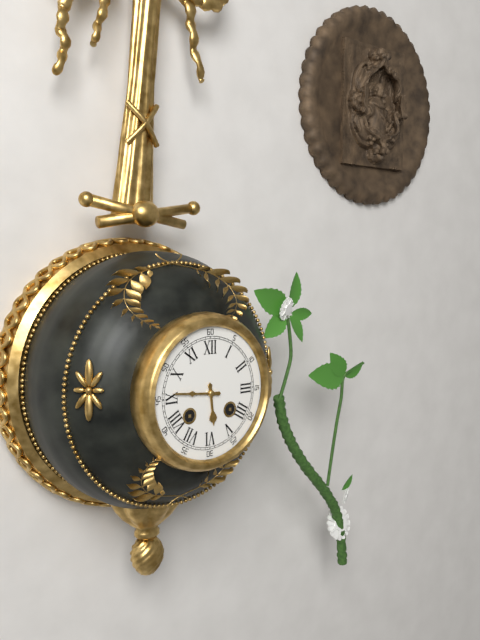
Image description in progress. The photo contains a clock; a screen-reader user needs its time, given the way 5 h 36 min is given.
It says 5 h 46 min
